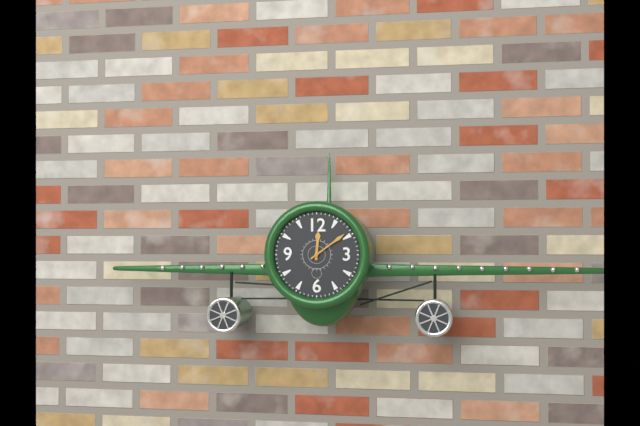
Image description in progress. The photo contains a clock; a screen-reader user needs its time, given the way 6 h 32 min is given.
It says 12 h 09 min
